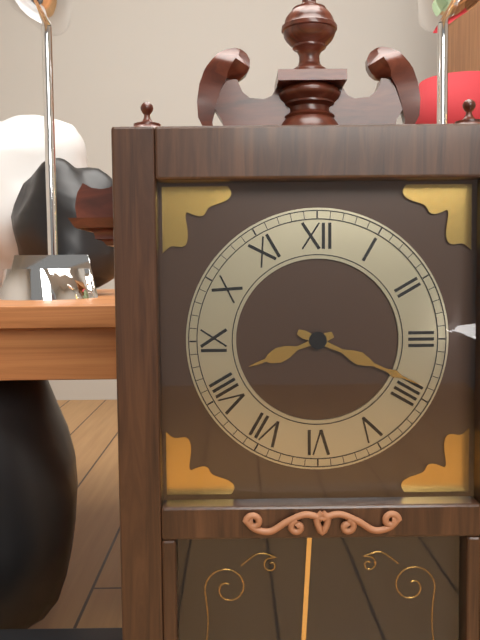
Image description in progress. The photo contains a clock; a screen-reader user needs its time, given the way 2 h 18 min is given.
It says 8 h 19 min
